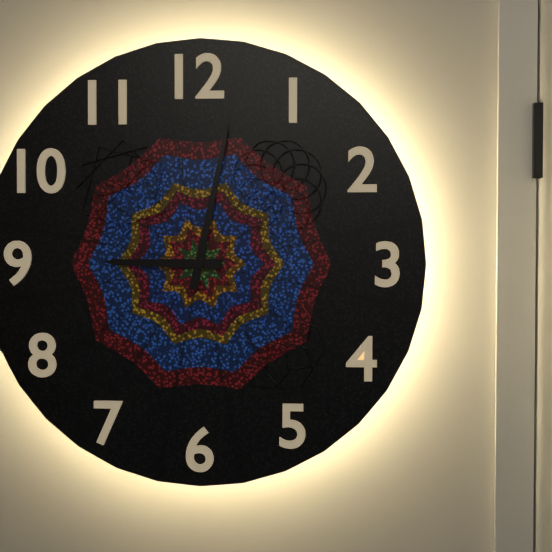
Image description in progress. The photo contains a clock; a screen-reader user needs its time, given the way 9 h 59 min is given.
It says 9 h 02 min
